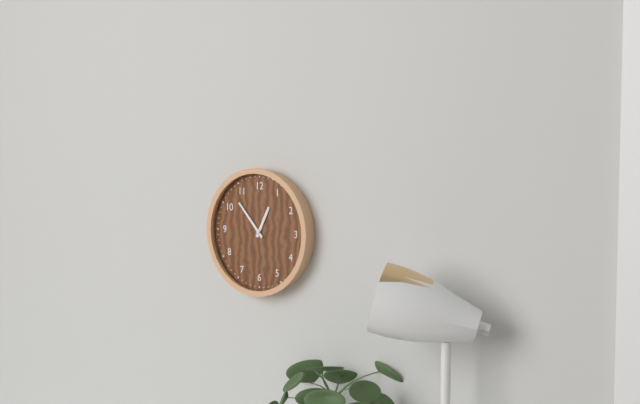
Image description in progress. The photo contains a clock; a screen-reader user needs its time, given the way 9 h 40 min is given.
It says 12 h 53 min
